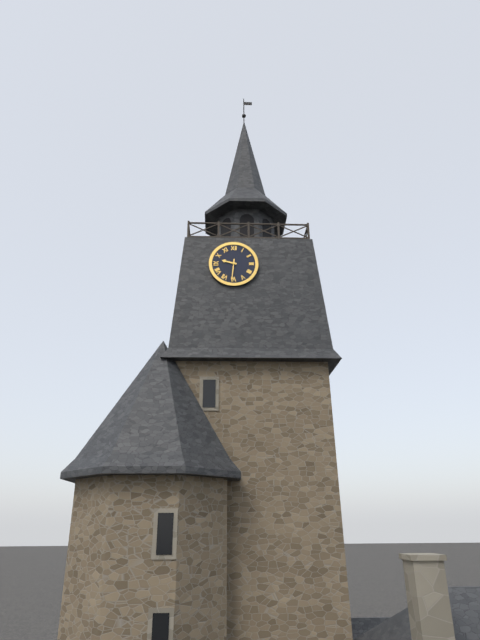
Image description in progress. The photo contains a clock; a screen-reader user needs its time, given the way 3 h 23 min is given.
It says 9 h 31 min
